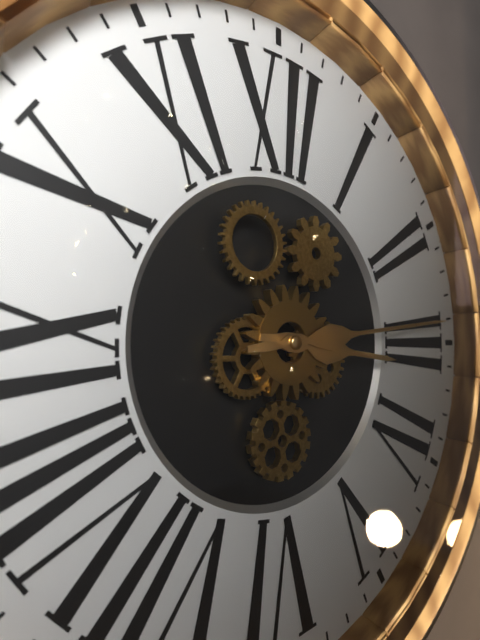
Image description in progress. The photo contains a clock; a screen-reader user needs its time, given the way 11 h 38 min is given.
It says 3 h 14 min
